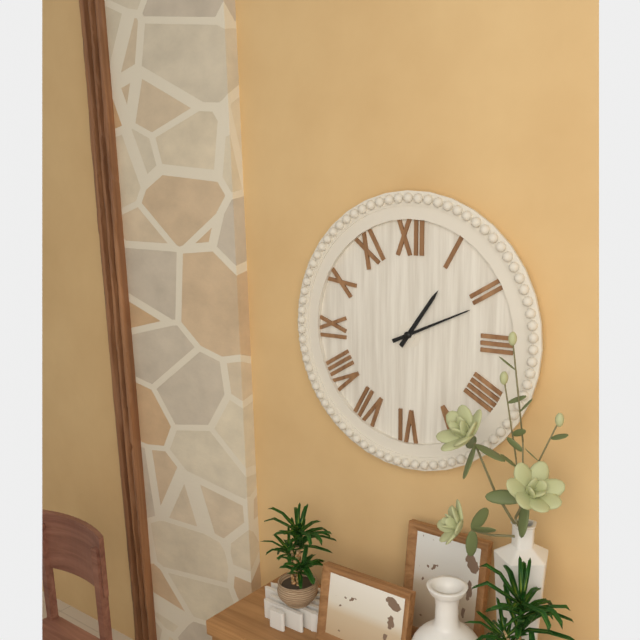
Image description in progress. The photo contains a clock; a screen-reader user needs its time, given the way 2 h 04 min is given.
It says 1 h 11 min
